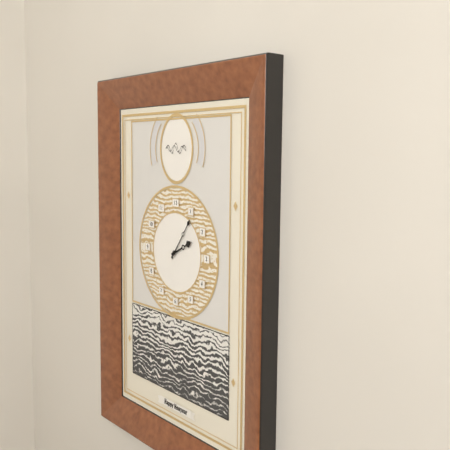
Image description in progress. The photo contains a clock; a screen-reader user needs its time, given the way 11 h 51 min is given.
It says 2 h 06 min
